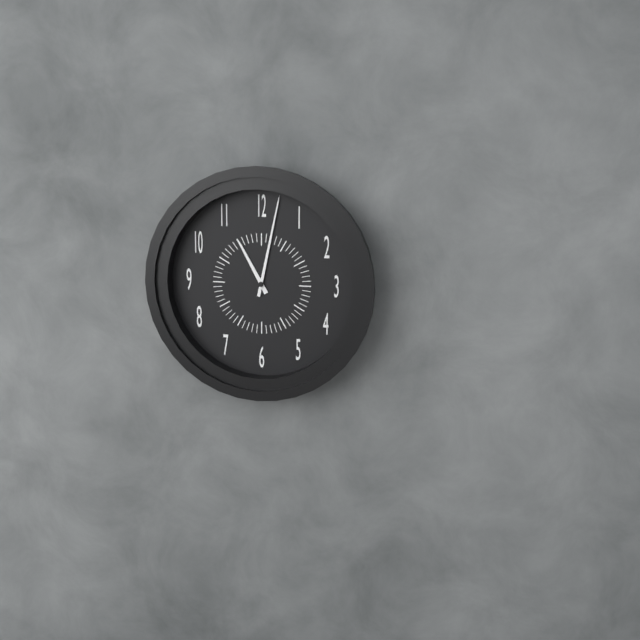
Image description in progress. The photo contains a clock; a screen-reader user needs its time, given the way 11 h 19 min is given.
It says 11 h 02 min
